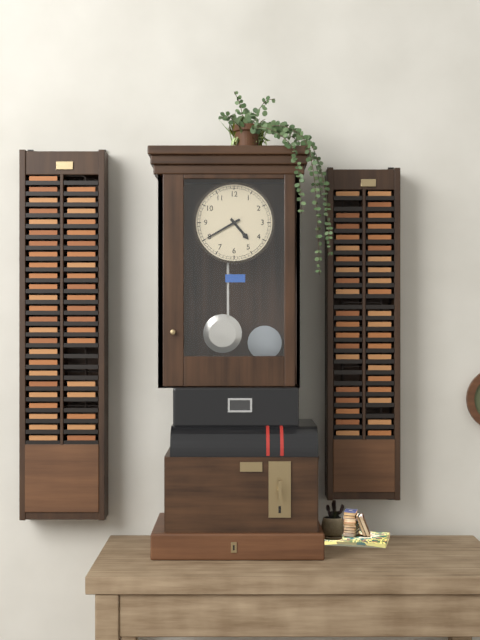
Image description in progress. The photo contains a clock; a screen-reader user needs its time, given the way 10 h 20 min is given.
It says 4 h 40 min
